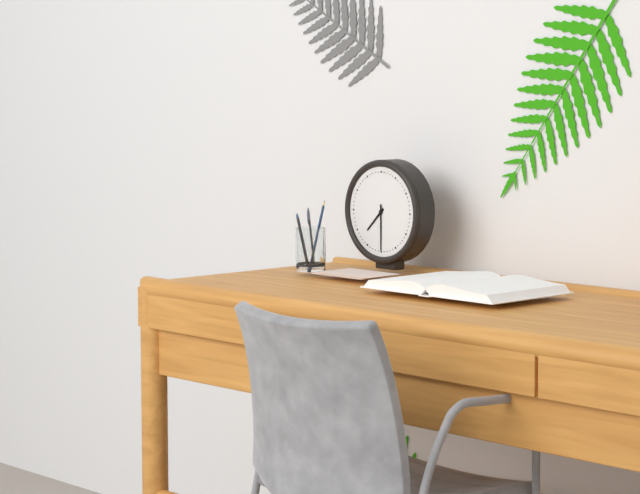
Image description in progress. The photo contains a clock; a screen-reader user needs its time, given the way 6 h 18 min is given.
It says 7 h 30 min
